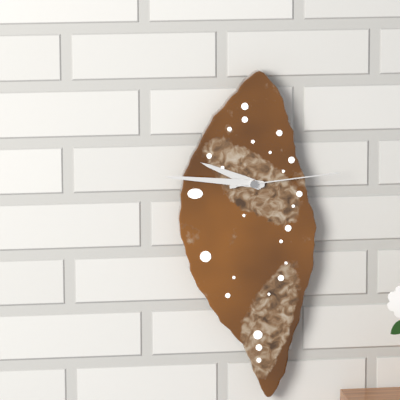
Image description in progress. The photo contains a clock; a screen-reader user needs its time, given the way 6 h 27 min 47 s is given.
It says 9 h 46 min 14 s
